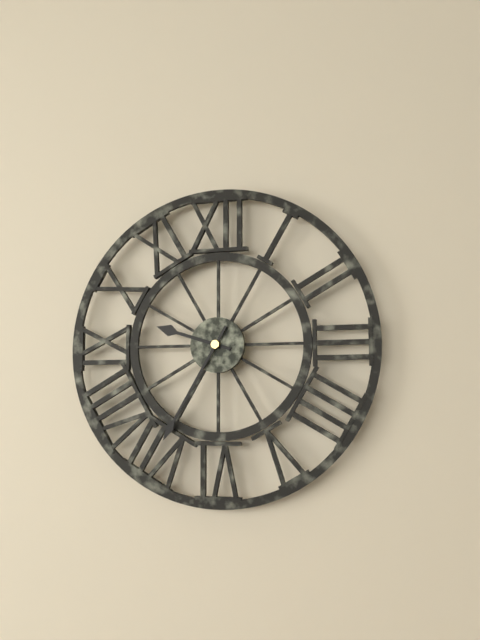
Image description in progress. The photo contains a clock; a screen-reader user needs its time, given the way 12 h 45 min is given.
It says 9 h 35 min
